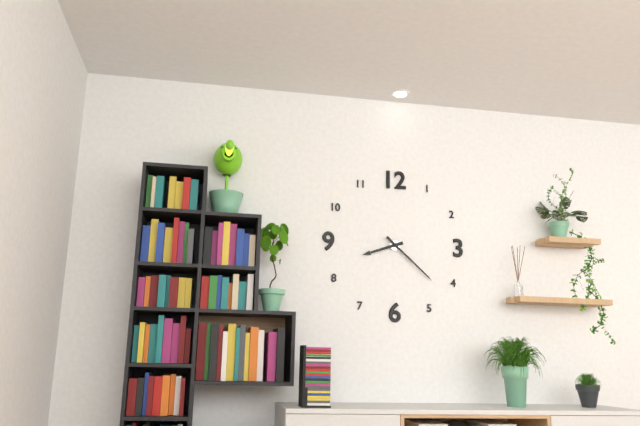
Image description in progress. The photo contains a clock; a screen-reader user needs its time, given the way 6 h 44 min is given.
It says 8 h 22 min
